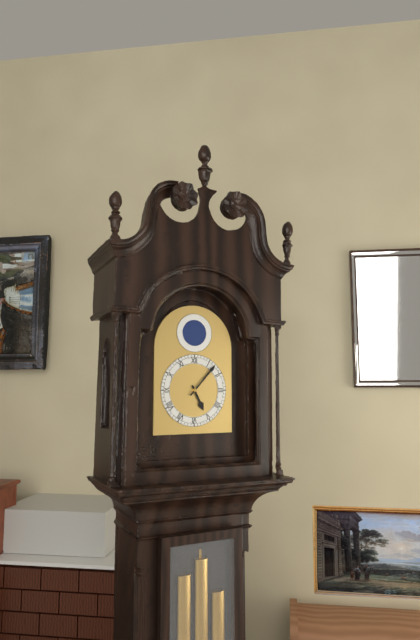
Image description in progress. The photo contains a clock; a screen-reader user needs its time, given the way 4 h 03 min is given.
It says 5 h 07 min
